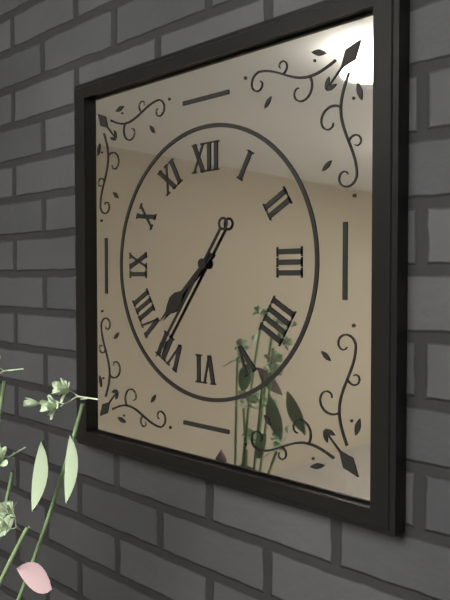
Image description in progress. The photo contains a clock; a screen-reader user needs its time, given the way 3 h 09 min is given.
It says 7 h 36 min
